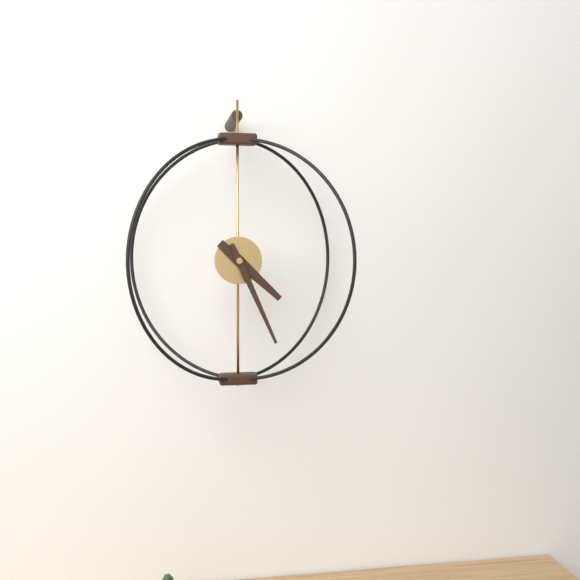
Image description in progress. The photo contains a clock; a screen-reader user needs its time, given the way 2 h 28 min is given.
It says 4 h 26 min
